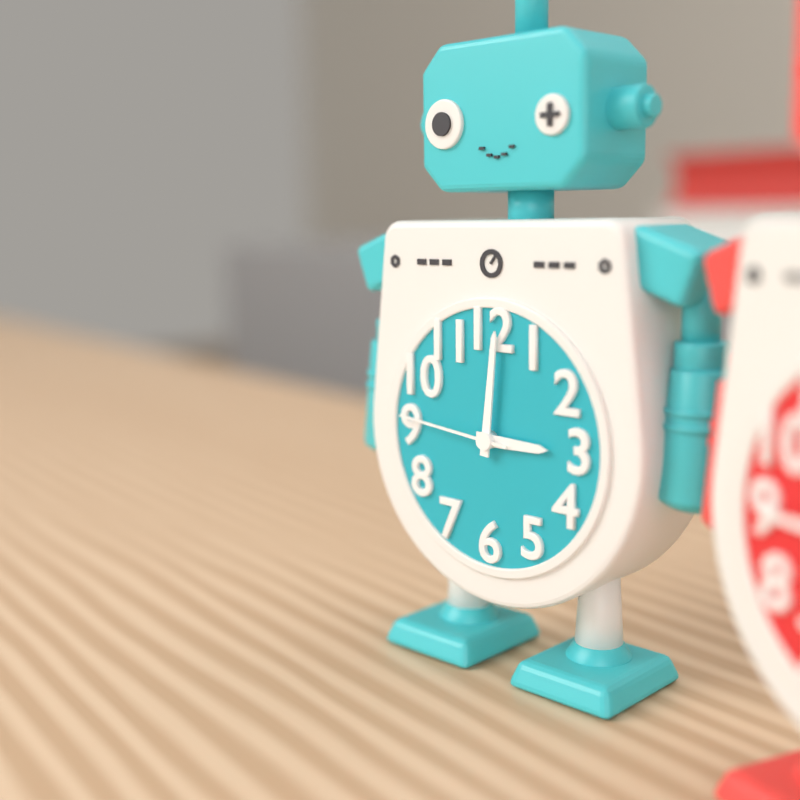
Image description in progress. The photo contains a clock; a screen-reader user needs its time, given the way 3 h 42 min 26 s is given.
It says 3 h 01 min 46 s
